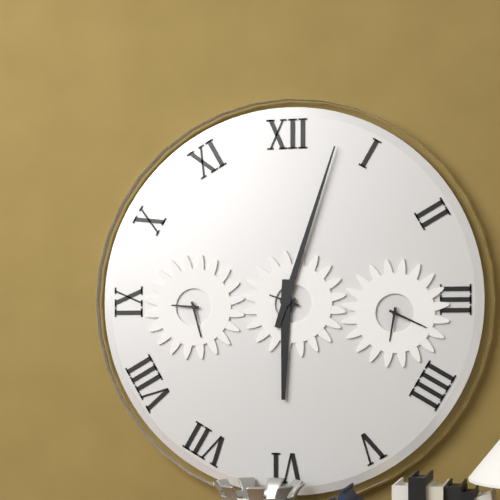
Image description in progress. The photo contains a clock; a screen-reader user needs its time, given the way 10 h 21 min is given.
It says 6 h 03 min
